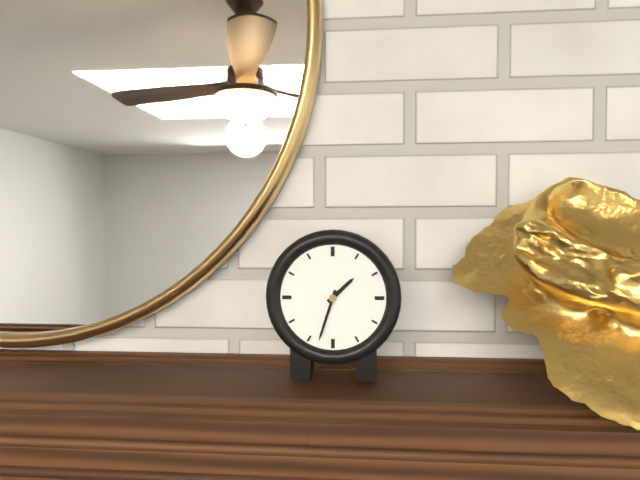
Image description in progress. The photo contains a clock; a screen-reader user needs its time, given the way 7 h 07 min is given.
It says 1 h 33 min
